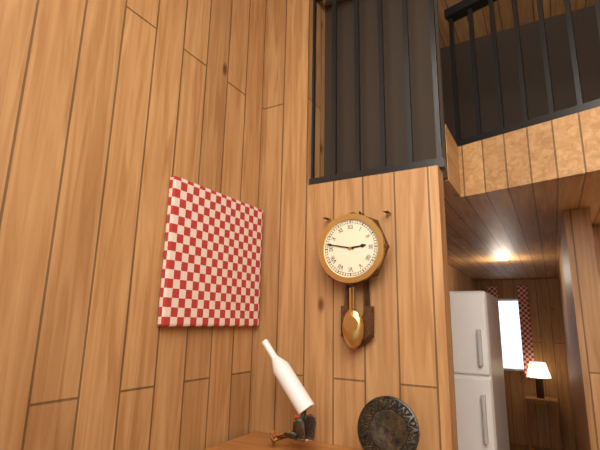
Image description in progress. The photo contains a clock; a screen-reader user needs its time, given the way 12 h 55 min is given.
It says 2 h 47 min
